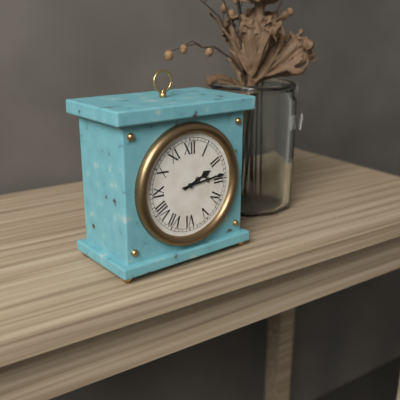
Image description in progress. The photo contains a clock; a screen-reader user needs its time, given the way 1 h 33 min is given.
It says 2 h 14 min
